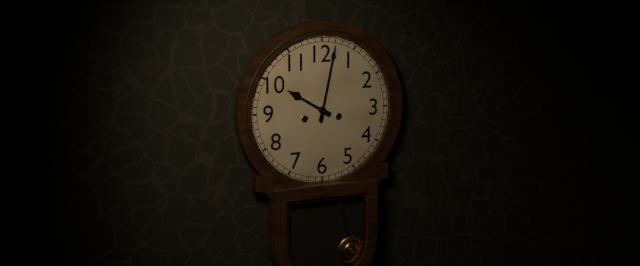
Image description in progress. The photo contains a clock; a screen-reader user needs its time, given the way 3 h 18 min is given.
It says 10 h 02 min
